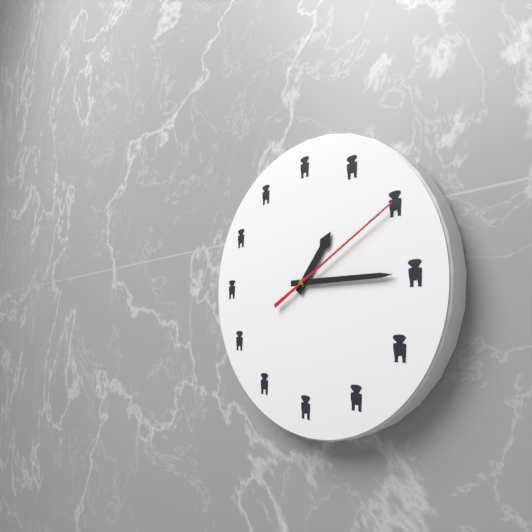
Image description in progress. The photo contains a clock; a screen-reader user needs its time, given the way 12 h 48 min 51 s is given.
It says 1 h 15 min 10 s
